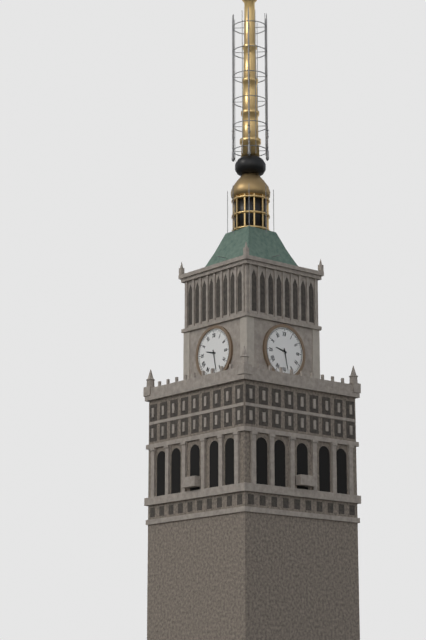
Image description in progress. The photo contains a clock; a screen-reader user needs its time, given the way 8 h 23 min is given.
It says 9 h 28 min
